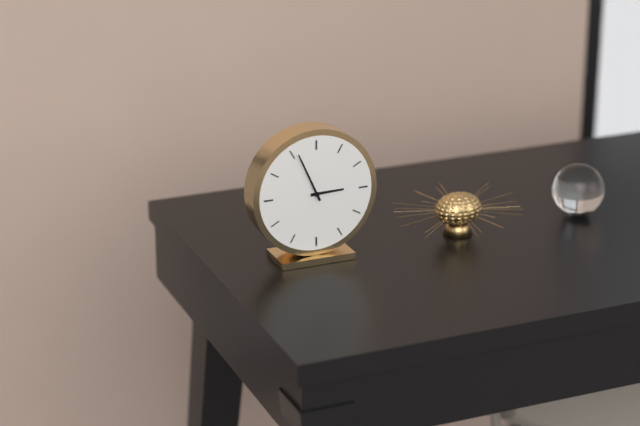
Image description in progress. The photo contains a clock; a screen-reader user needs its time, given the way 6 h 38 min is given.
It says 2 h 56 min
